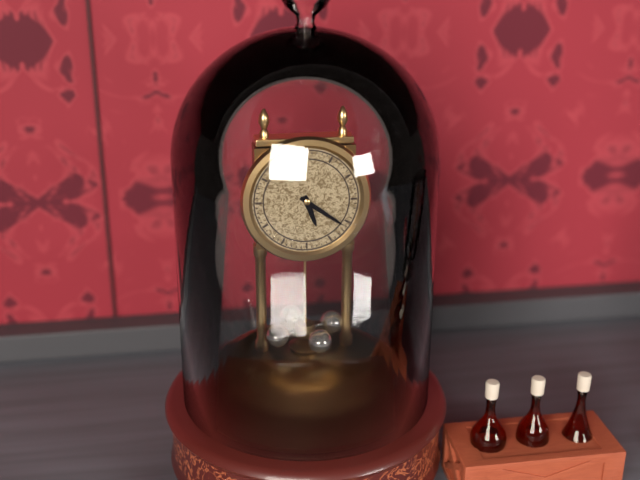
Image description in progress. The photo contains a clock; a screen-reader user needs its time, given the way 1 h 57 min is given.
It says 5 h 21 min
